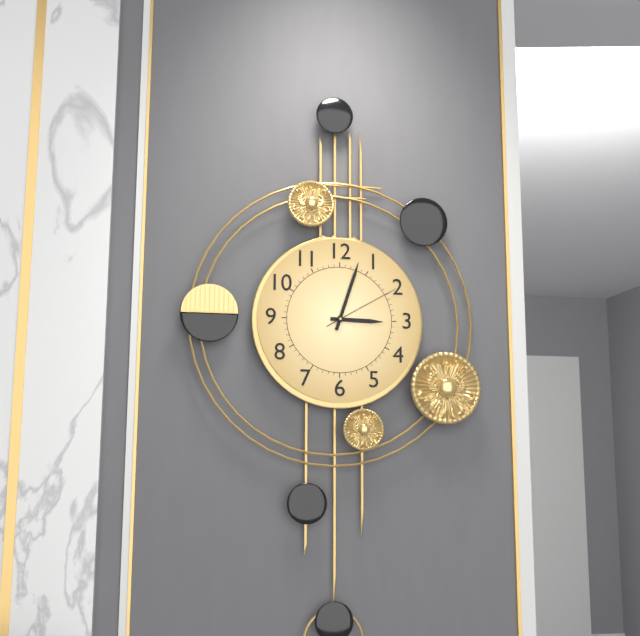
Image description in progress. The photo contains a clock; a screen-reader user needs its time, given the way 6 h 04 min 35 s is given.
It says 3 h 03 min 10 s
